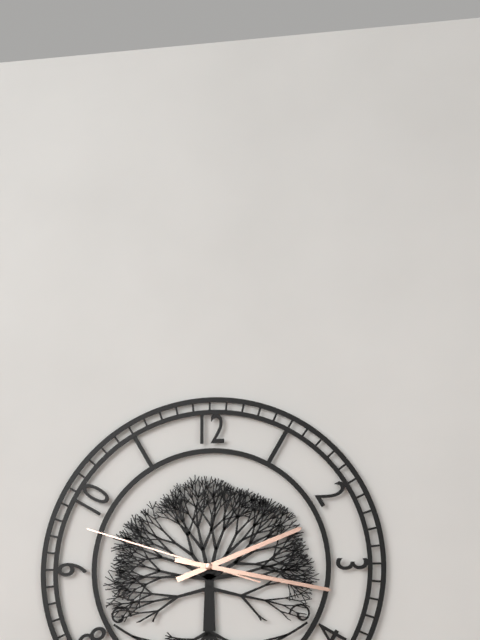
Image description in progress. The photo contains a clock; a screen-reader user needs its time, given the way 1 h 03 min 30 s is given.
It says 2 h 17 min 48 s
